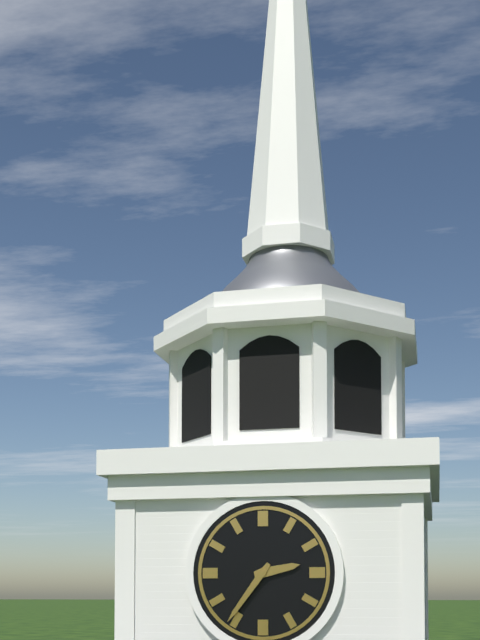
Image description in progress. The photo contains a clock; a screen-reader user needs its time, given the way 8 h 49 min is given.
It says 2 h 36 min
